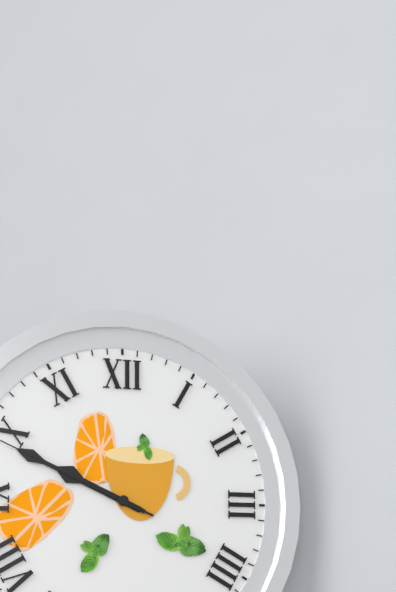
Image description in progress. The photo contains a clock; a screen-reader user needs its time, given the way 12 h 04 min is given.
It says 9 h 49 min
